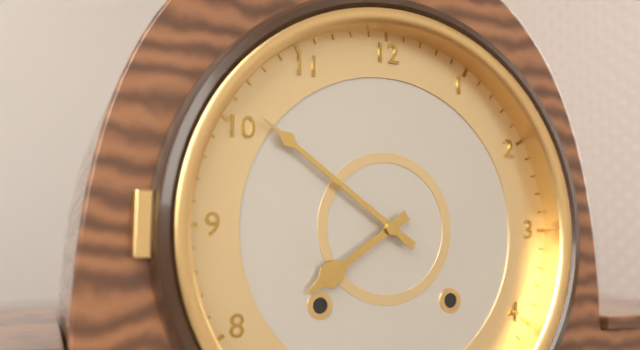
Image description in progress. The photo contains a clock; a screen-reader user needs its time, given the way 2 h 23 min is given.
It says 7 h 51 min
